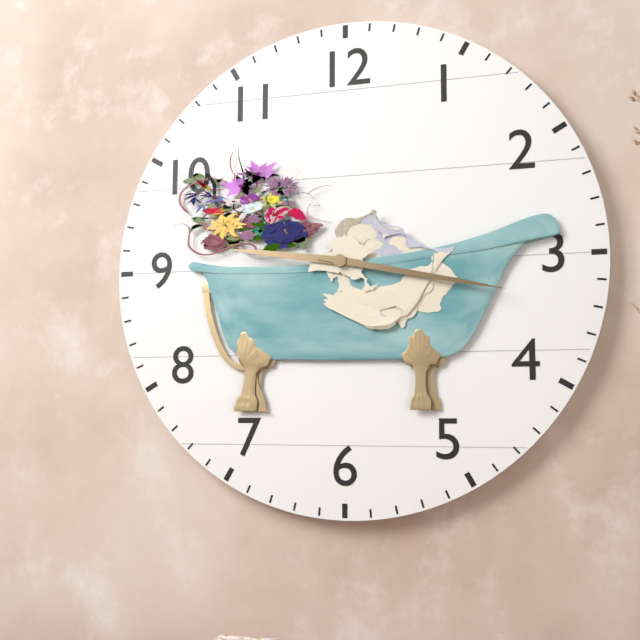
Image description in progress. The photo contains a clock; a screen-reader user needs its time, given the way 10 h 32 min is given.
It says 9 h 17 min
